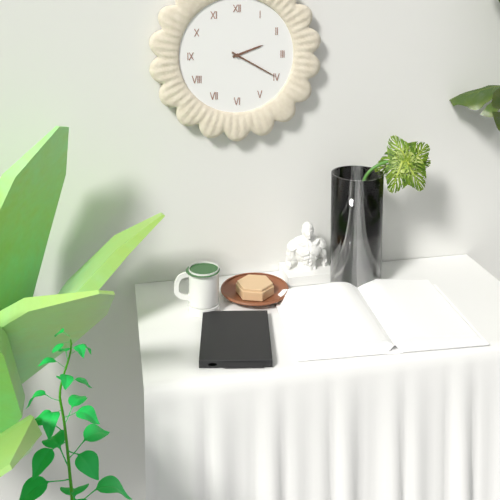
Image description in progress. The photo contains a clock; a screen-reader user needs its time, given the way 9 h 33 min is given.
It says 2 h 20 min
